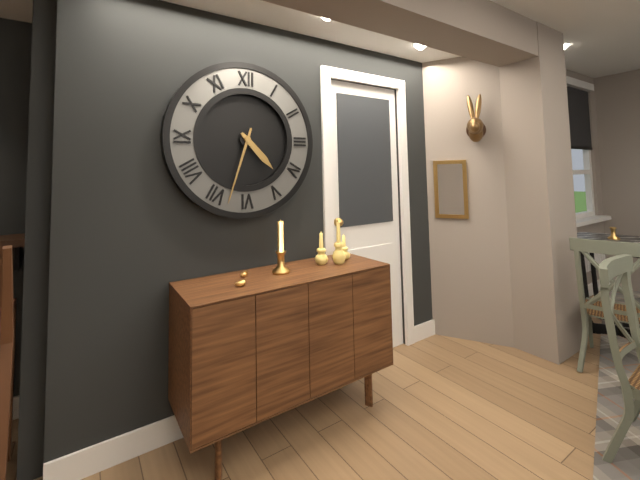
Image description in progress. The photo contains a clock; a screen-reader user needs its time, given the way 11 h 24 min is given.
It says 4 h 33 min
